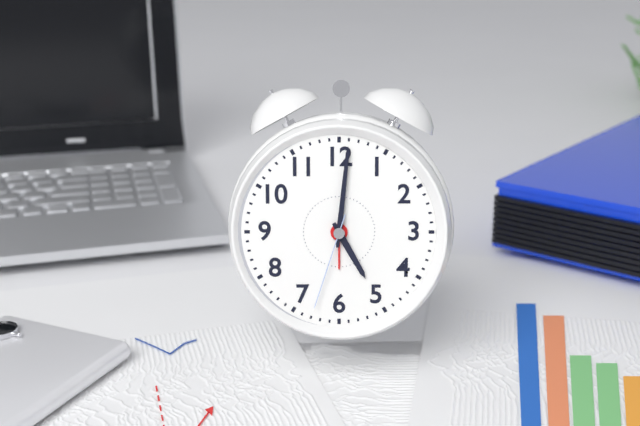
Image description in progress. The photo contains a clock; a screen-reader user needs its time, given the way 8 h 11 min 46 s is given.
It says 5 h 01 min 33 s
